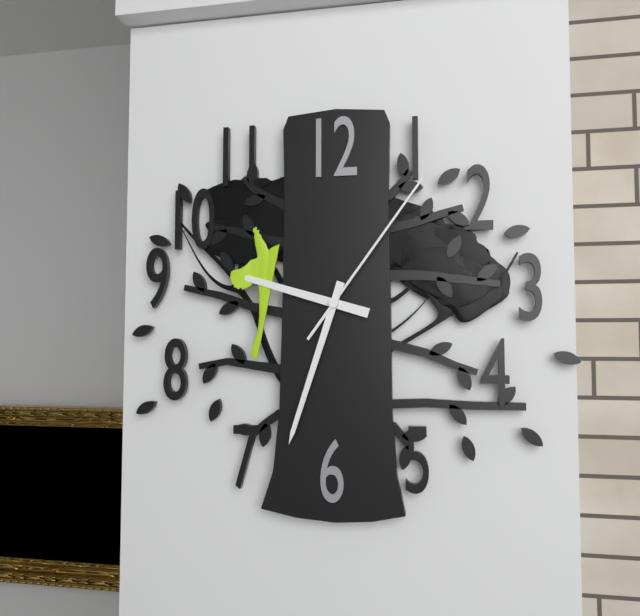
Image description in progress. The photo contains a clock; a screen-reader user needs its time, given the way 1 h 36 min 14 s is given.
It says 9 h 33 min 06 s
